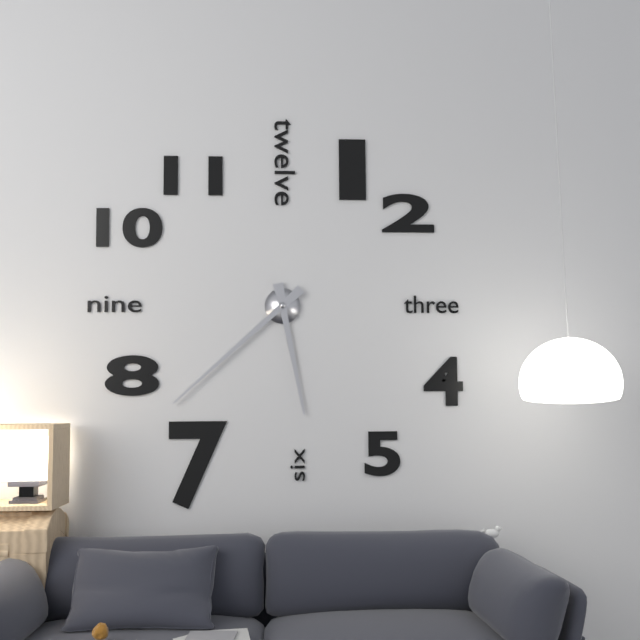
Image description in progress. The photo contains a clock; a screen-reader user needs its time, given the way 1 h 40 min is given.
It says 5 h 38 min
